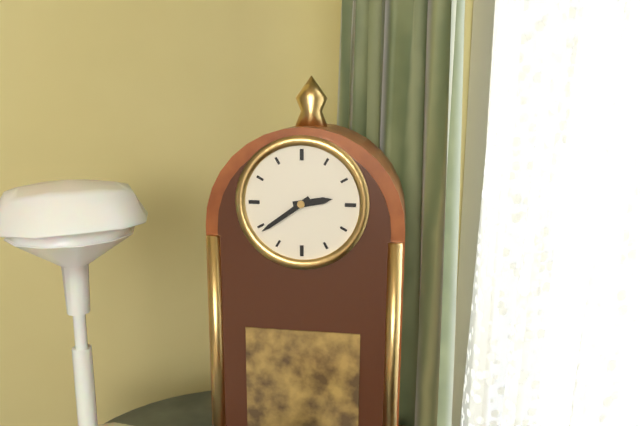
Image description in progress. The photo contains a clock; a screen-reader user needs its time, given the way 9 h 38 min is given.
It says 2 h 39 min
